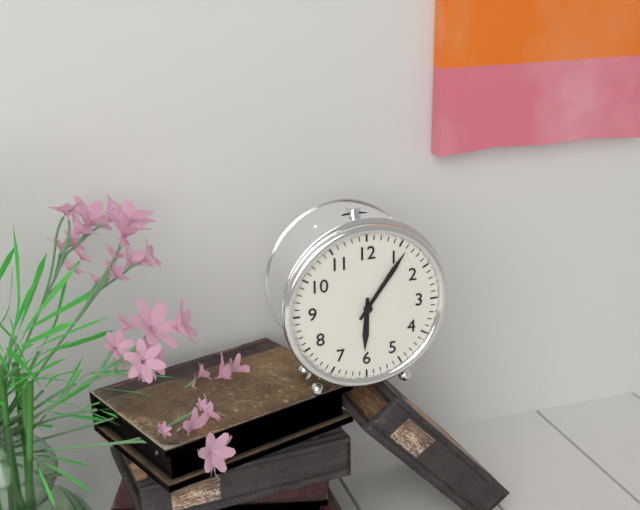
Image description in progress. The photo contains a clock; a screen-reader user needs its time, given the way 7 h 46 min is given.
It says 6 h 06 min
